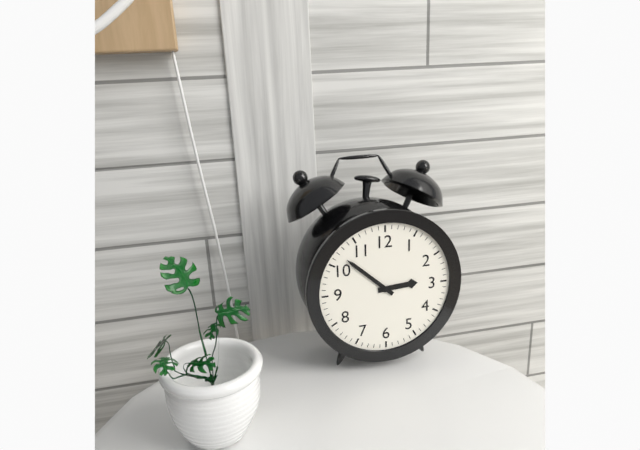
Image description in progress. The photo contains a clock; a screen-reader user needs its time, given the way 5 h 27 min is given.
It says 2 h 52 min
